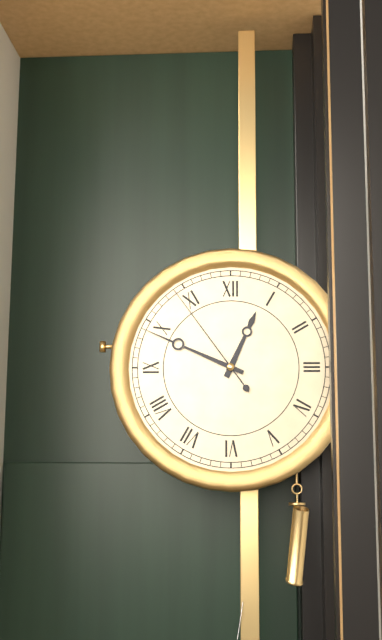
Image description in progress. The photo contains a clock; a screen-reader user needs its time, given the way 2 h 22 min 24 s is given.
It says 12 h 49 min 54 s
